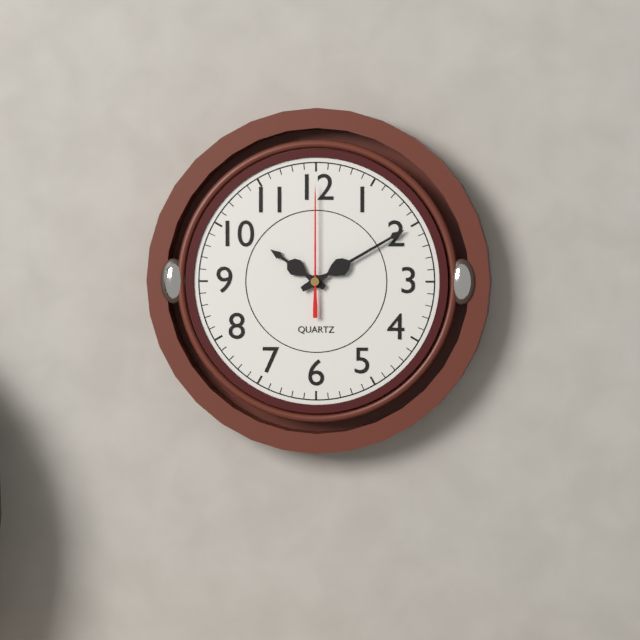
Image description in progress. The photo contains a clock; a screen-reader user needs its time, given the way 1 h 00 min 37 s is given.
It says 10 h 10 min 00 s
